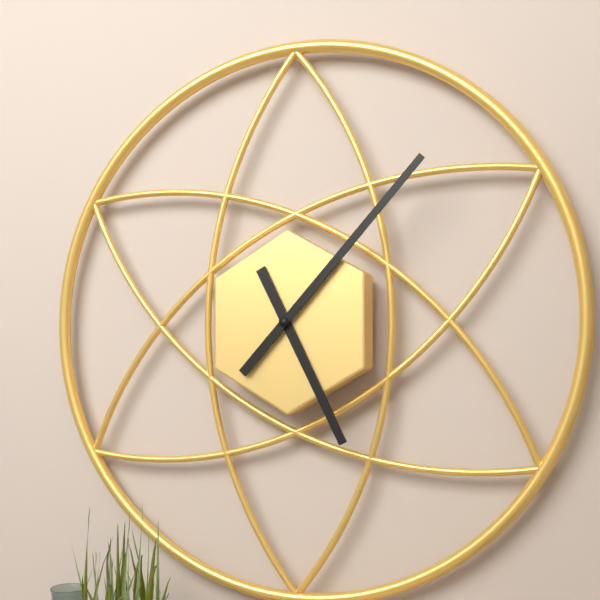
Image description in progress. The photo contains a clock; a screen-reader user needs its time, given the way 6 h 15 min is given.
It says 5 h 07 min
